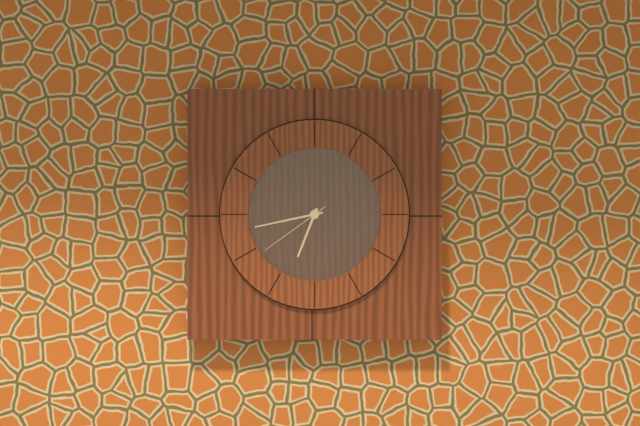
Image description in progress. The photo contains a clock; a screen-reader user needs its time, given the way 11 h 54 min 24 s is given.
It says 6 h 43 min 39 s
